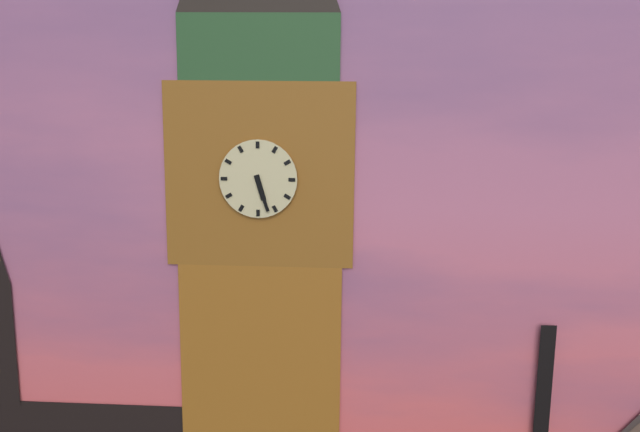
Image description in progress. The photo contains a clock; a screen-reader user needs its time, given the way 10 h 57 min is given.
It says 5 h 27 min
